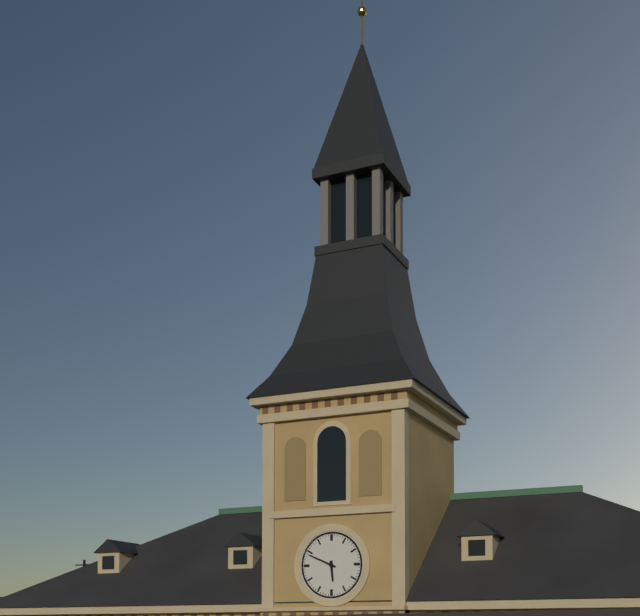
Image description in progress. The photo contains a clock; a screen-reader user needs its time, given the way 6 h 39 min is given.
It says 5 h 49 min
